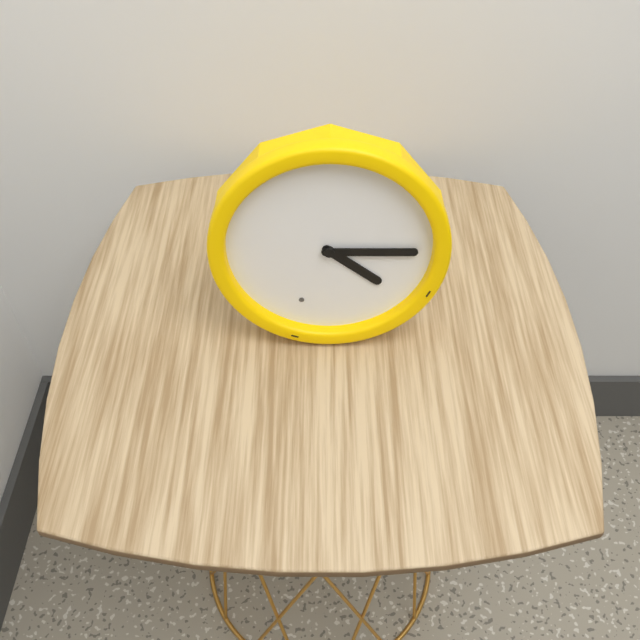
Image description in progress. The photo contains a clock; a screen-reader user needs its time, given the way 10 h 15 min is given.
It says 4 h 15 min
